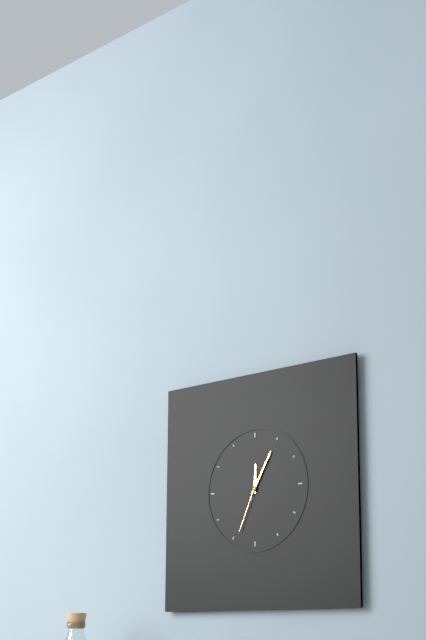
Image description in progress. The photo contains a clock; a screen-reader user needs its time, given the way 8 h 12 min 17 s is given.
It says 12 h 05 min 34 s
